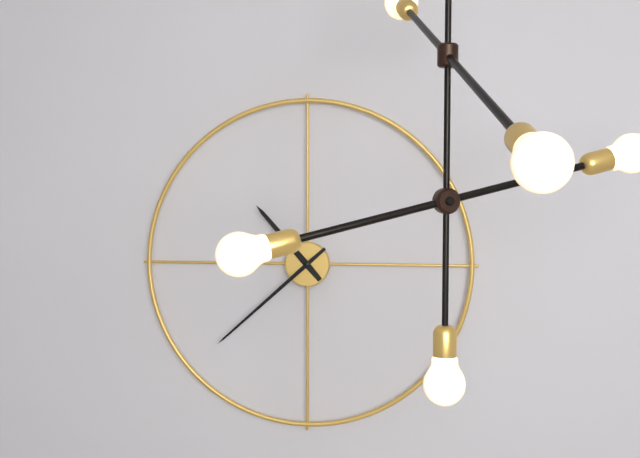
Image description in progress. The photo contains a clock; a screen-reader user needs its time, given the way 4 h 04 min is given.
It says 10 h 38 min
